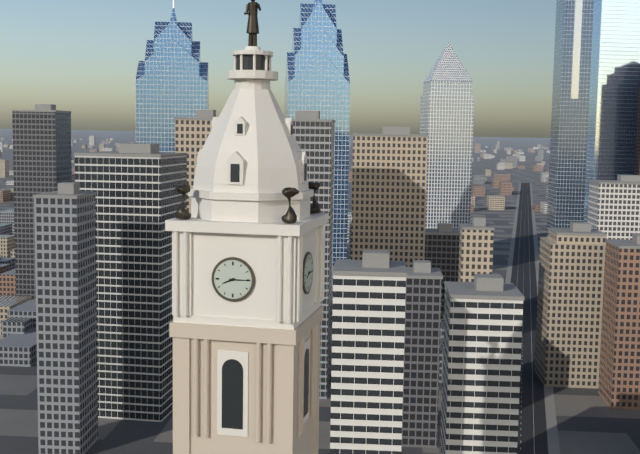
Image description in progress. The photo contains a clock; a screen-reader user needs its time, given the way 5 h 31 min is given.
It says 8 h 15 min
